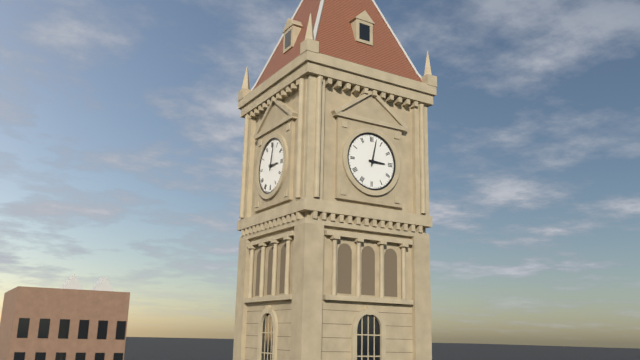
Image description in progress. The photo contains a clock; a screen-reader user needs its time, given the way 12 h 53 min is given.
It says 3 h 02 min
